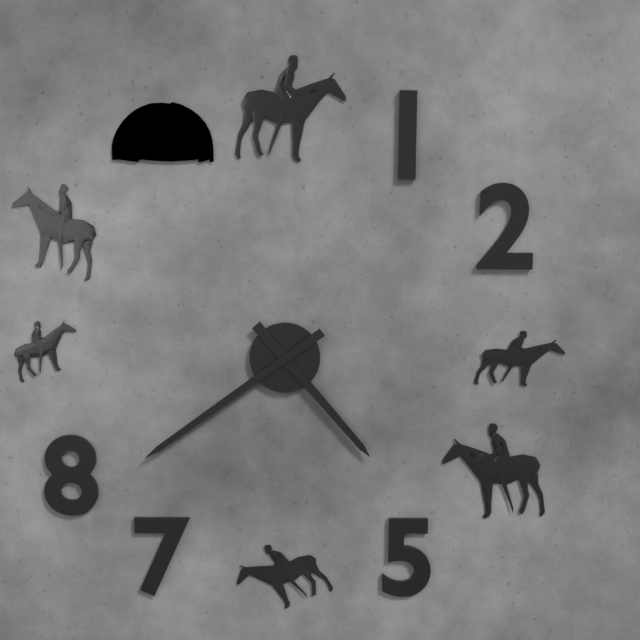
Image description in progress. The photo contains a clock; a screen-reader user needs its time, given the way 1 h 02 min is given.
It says 4 h 39 min
